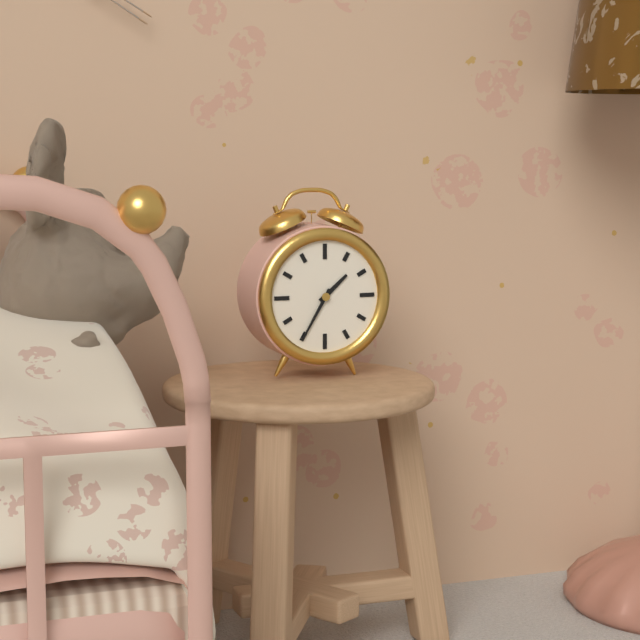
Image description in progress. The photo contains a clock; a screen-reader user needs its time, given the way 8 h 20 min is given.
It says 1 h 35 min
